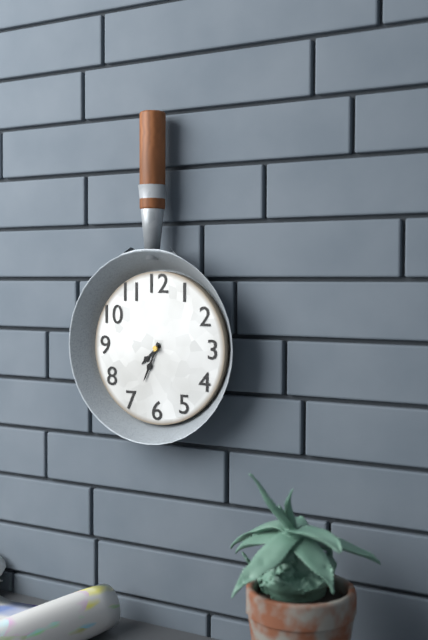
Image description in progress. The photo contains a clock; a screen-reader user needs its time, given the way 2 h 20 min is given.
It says 7 h 34 min
